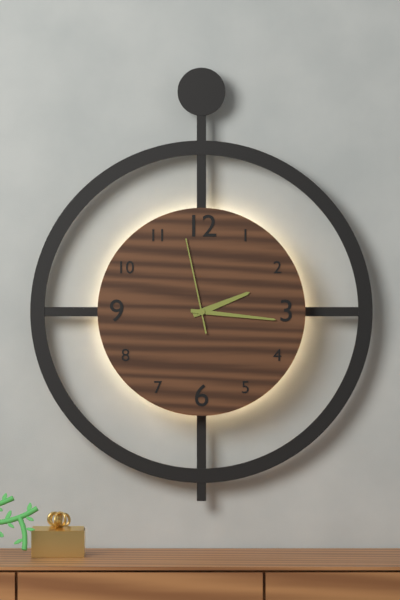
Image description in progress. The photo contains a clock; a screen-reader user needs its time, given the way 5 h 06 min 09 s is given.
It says 2 h 16 min 58 s
